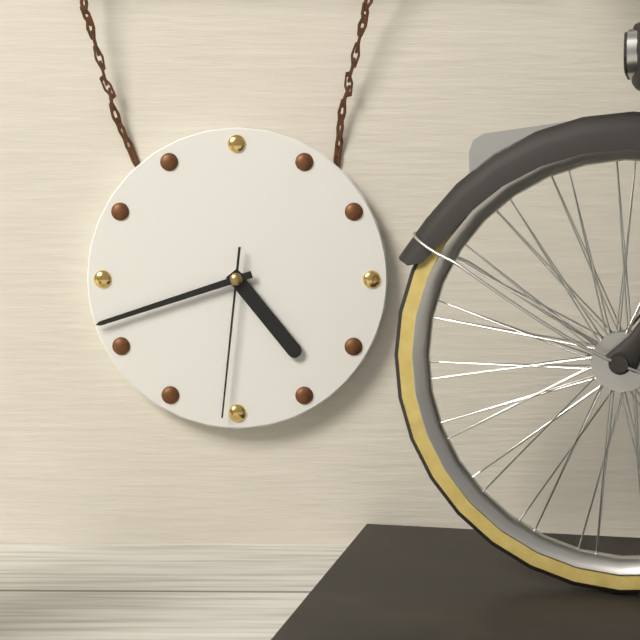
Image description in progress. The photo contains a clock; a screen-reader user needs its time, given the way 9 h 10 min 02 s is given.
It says 4 h 42 min 31 s
